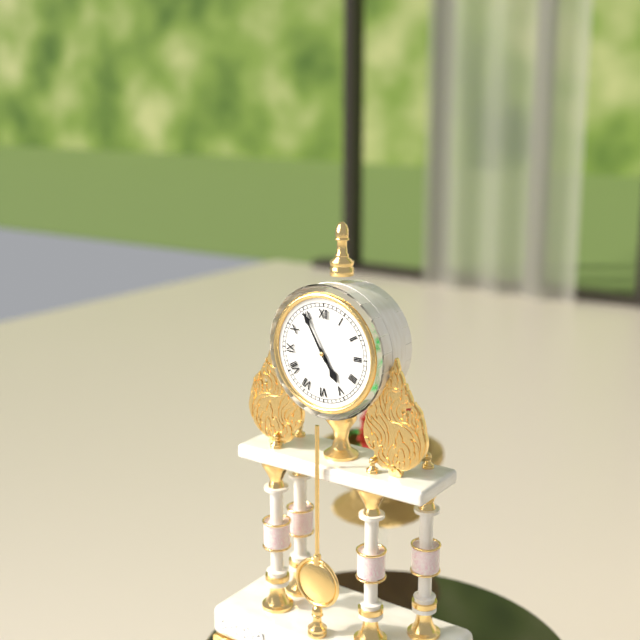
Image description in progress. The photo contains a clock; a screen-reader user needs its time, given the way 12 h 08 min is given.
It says 4 h 55 min
